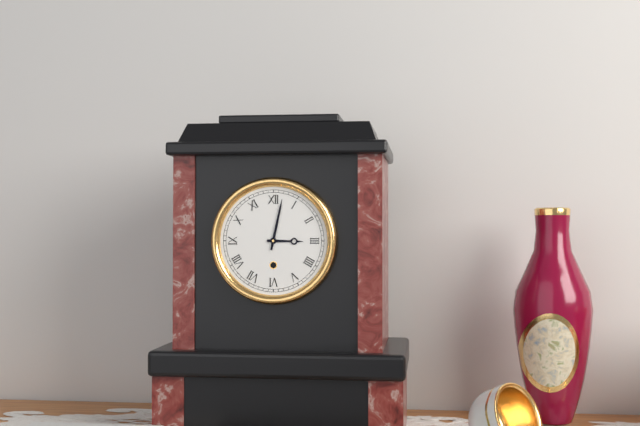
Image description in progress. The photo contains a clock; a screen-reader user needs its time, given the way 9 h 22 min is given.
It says 3 h 02 min
